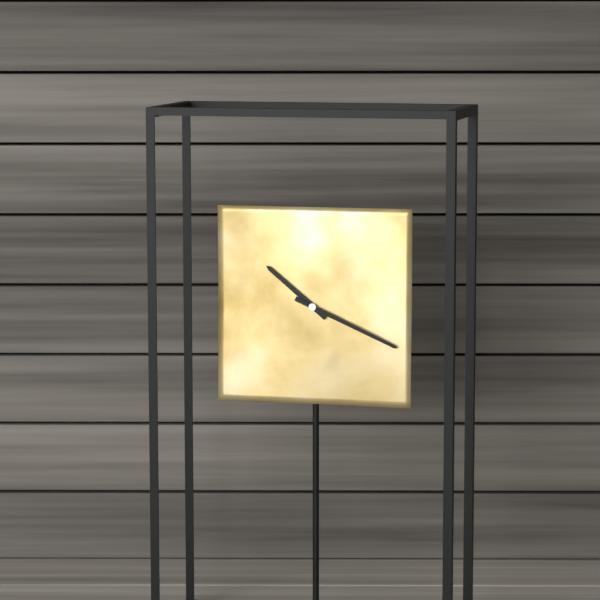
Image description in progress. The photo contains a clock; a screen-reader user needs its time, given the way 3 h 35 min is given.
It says 10 h 19 min
